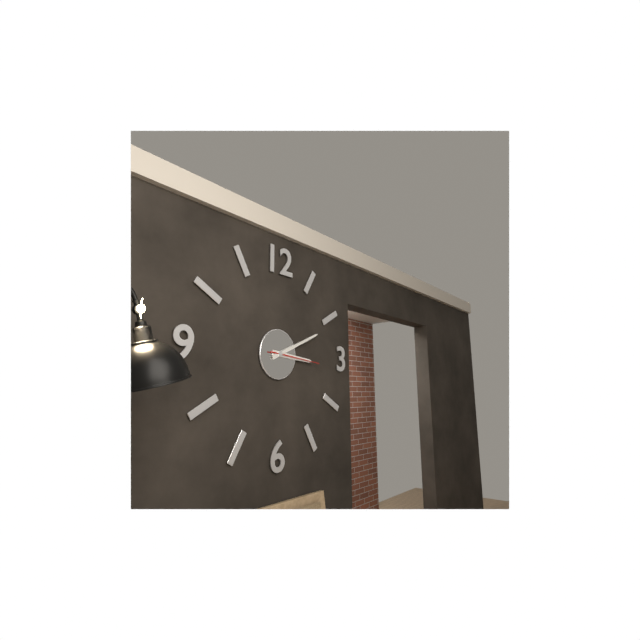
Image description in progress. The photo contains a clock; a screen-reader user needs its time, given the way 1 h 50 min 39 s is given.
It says 3 h 11 min 16 s
